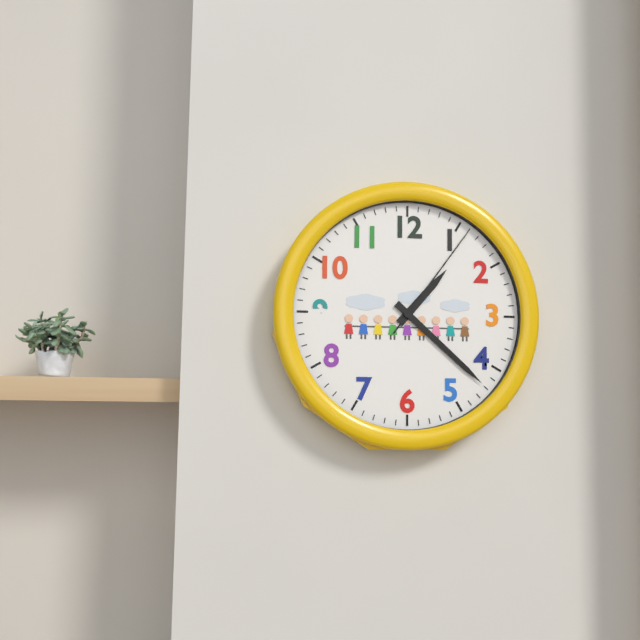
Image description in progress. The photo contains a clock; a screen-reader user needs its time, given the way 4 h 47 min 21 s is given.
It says 1 h 22 min 06 s
